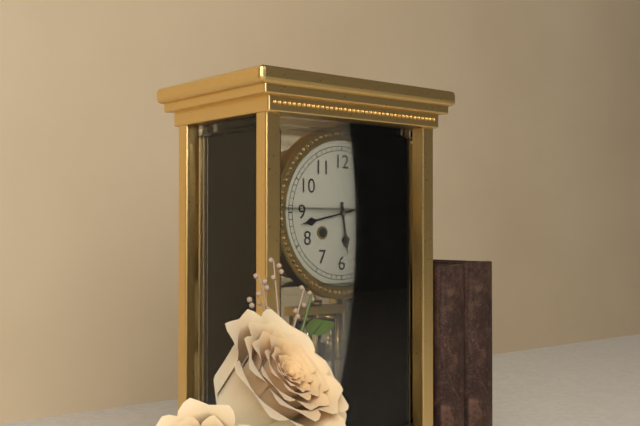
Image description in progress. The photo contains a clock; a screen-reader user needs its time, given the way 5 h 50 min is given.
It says 5 h 43 min
